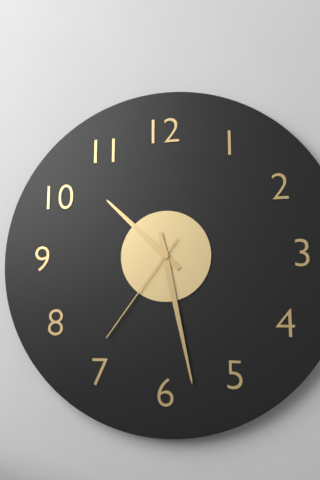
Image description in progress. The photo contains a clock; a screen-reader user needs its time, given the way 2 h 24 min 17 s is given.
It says 10 h 28 min 36 s
